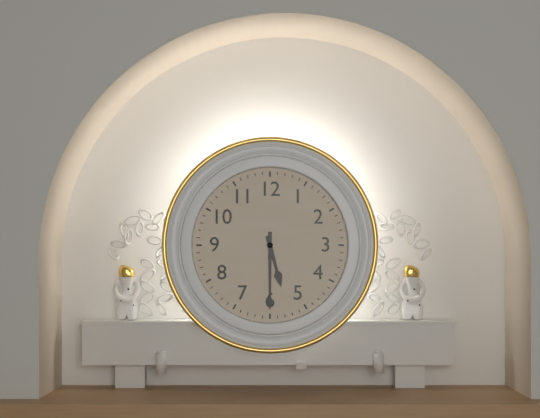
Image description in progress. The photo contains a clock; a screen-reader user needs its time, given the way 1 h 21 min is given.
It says 5 h 30 min
